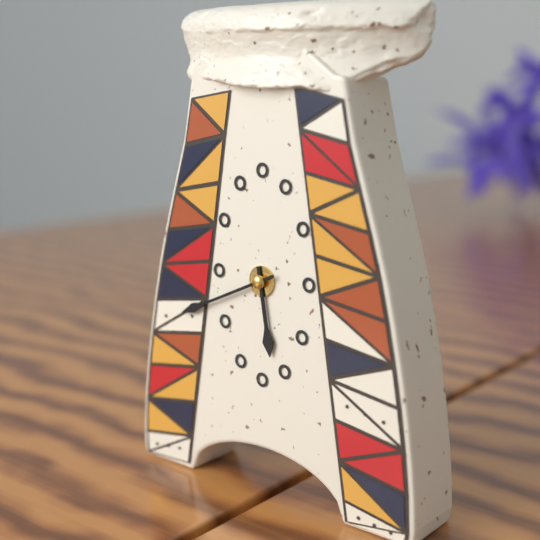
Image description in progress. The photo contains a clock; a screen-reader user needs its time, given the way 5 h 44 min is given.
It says 5 h 41 min
